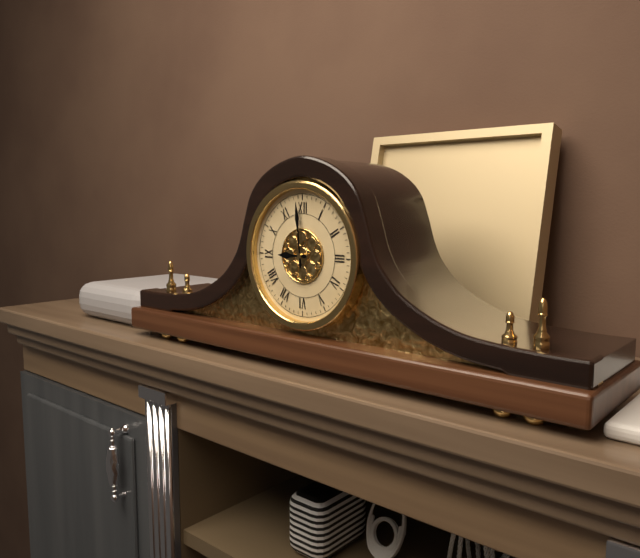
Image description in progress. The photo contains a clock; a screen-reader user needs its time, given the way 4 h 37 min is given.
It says 8 h 59 min
